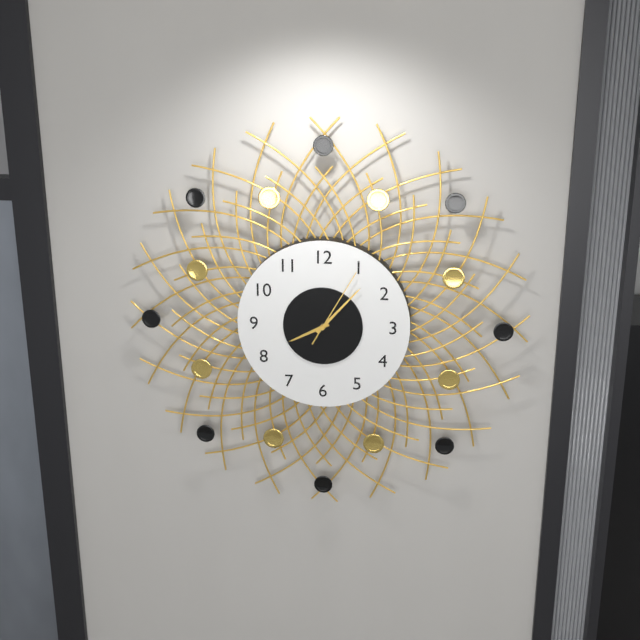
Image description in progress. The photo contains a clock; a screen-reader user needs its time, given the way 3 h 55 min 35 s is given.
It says 8 h 07 min 05 s
